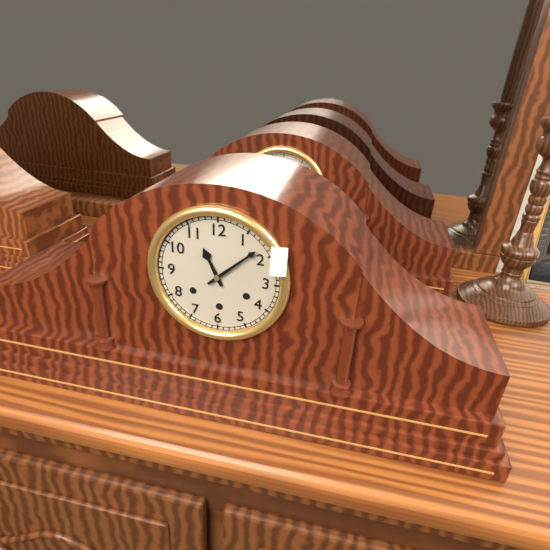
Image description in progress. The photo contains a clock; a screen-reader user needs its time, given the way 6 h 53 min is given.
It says 11 h 08 min
